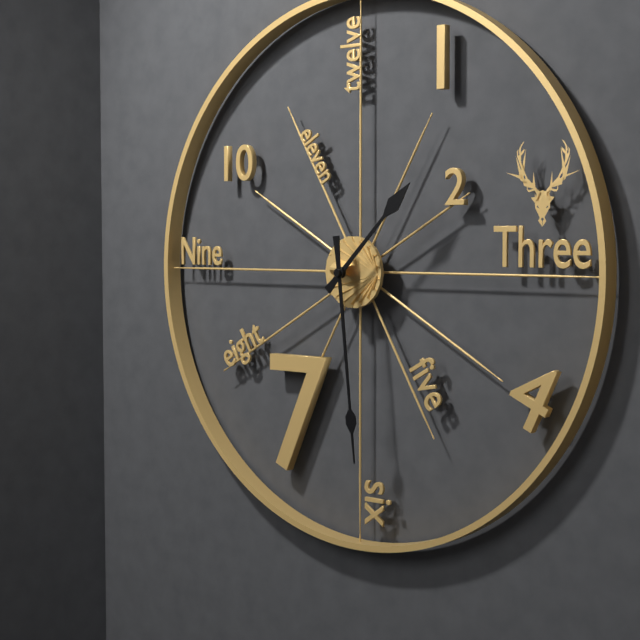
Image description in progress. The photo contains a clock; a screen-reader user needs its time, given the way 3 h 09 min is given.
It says 1 h 29 min
